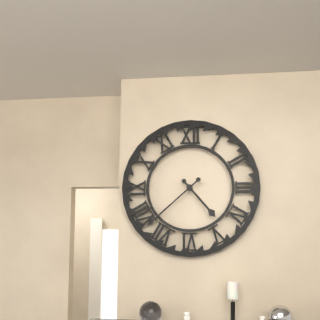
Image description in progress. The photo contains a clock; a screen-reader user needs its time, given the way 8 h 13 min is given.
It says 4 h 38 min
